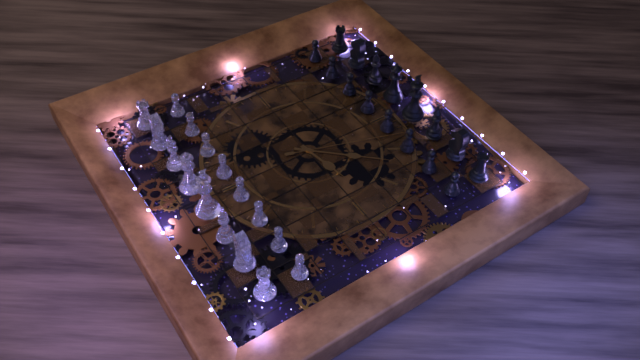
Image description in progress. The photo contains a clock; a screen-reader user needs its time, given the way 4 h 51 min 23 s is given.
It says 8 h 37 min 33 s
